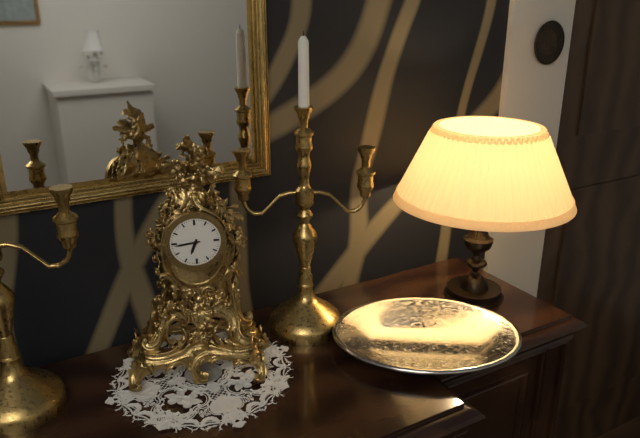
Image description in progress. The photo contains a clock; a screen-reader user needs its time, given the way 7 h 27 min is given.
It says 6 h 44 min
